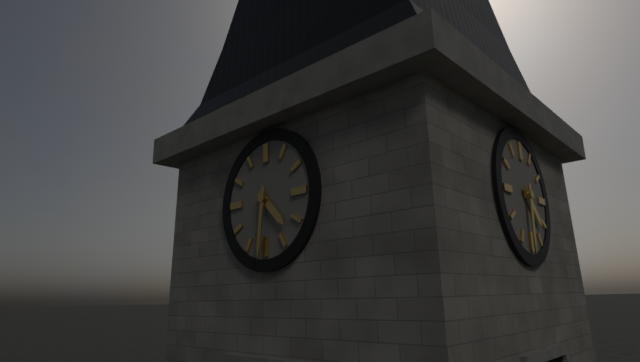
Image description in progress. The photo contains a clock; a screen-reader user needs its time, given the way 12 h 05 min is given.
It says 4 h 31 min
